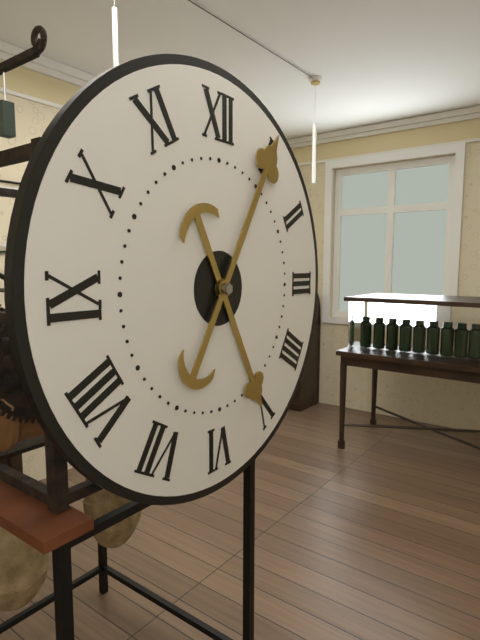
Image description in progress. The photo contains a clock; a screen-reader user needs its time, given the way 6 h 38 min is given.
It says 5 h 05 min
